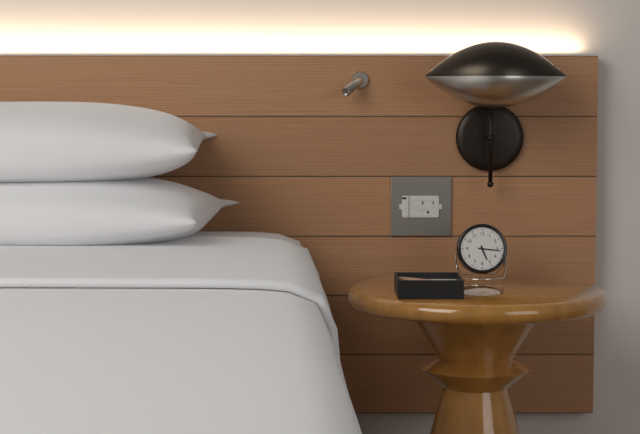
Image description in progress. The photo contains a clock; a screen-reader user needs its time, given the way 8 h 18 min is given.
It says 5 h 16 min
